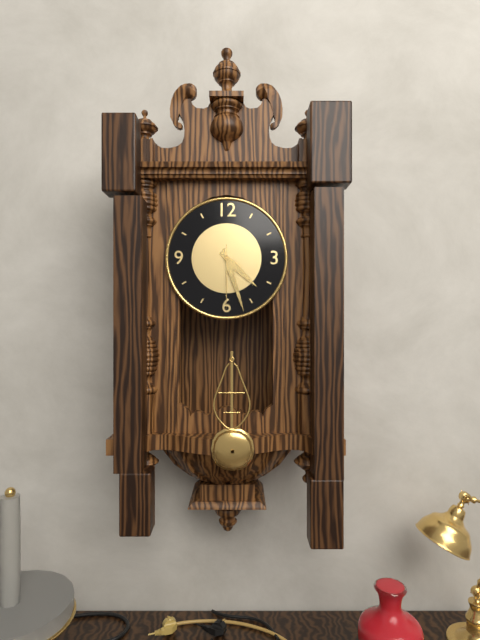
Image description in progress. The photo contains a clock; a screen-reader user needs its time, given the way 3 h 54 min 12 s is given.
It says 4 h 27 min 30 s
